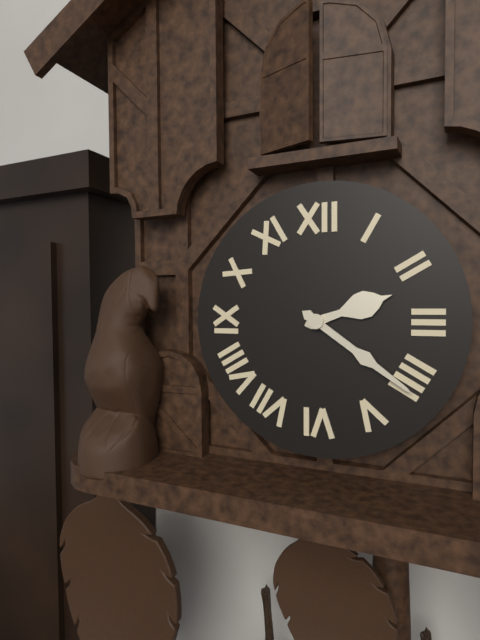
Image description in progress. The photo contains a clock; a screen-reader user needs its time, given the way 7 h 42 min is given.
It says 2 h 21 min
